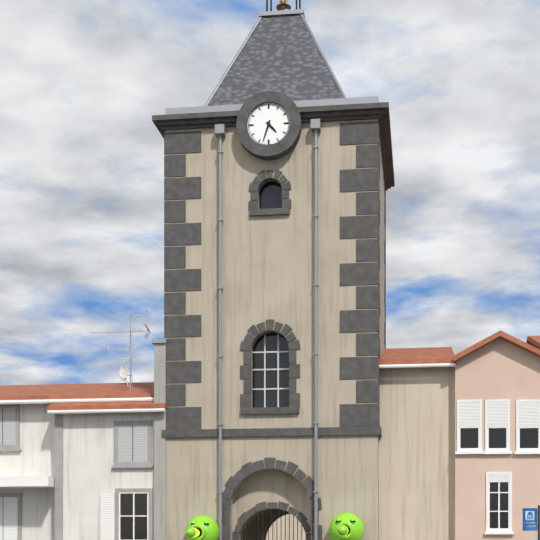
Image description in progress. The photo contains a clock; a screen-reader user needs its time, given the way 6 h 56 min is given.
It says 4 h 33 min
